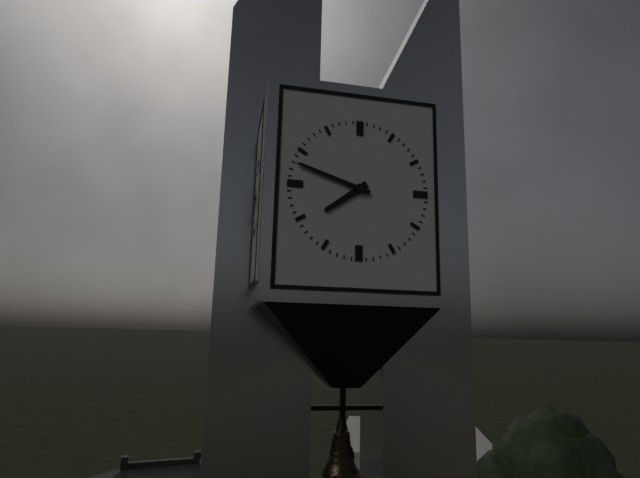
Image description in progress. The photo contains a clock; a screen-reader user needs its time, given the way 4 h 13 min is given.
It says 7 h 48 min
